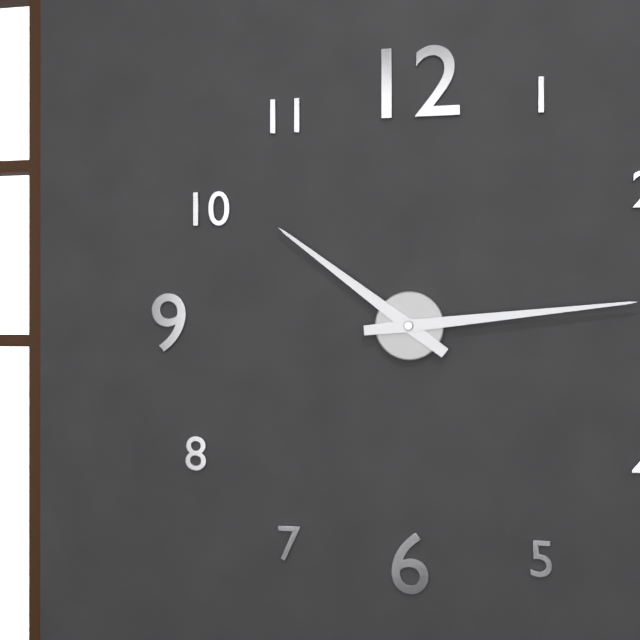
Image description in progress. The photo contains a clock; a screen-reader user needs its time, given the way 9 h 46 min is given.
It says 10 h 14 min
